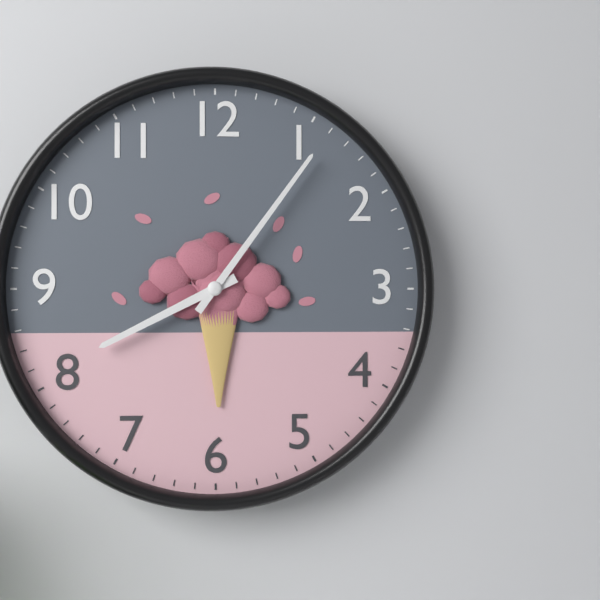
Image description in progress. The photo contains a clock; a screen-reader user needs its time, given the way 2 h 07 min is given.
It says 8 h 06 min
